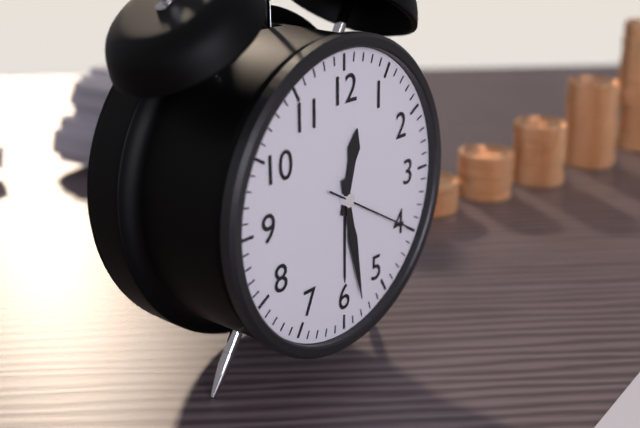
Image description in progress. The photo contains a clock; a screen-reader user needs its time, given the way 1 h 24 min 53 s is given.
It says 12 h 28 min 20 s
